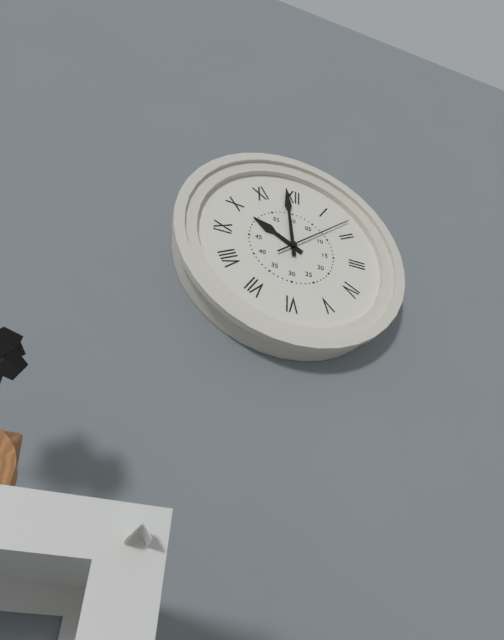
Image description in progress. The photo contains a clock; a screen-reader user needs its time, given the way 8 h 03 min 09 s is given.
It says 9 h 59 min 08 s
